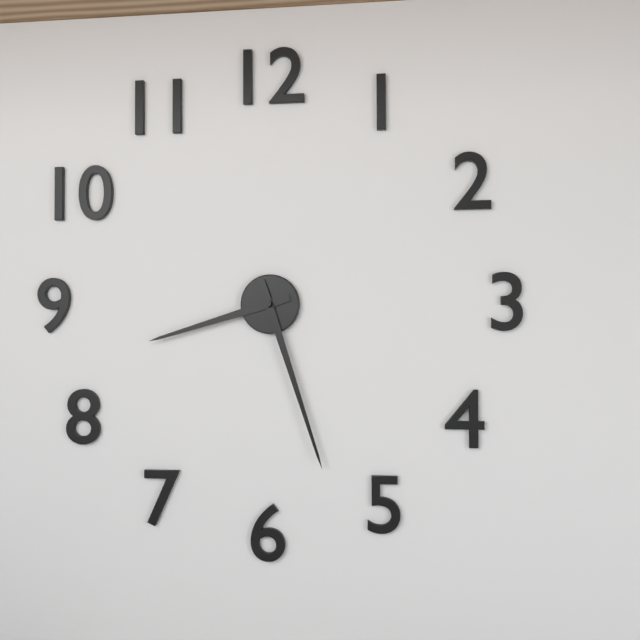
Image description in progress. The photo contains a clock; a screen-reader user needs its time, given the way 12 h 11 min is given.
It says 8 h 27 min
